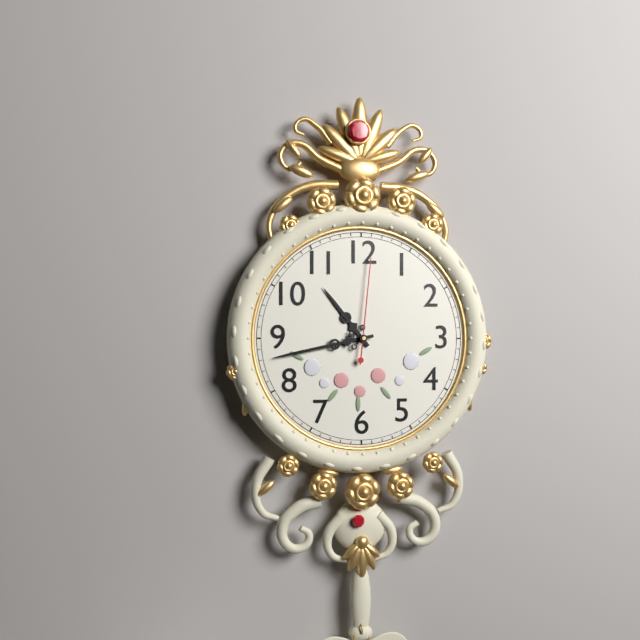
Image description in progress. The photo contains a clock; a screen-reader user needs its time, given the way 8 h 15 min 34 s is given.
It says 10 h 43 min 01 s
